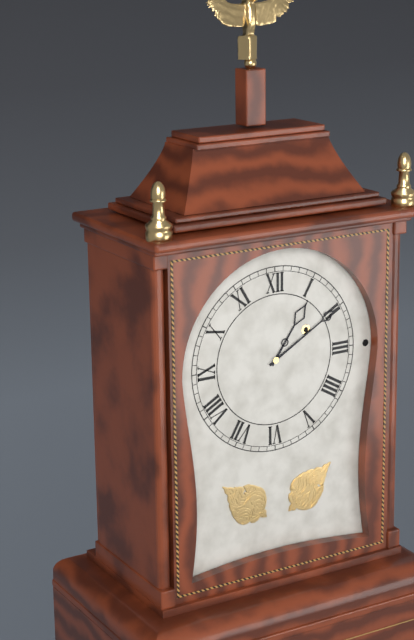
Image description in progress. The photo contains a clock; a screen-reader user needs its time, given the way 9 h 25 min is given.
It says 1 h 10 min
